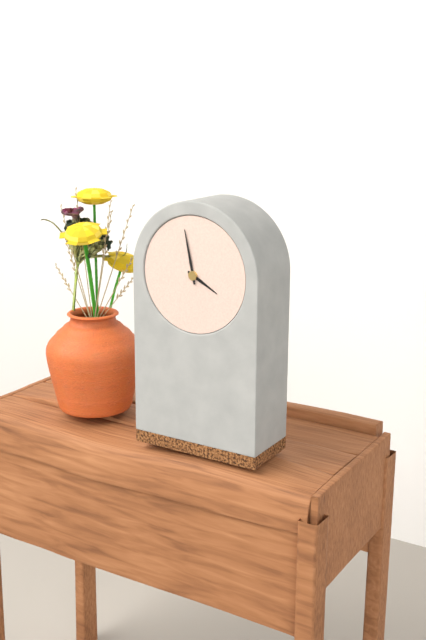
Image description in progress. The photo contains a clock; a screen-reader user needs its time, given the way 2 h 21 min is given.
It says 3 h 58 min
